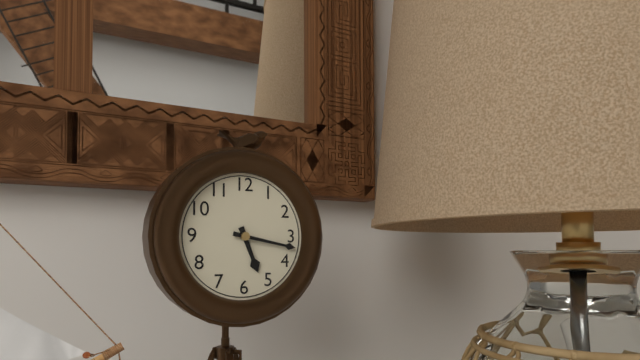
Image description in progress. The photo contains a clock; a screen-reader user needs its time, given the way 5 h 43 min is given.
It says 5 h 17 min
